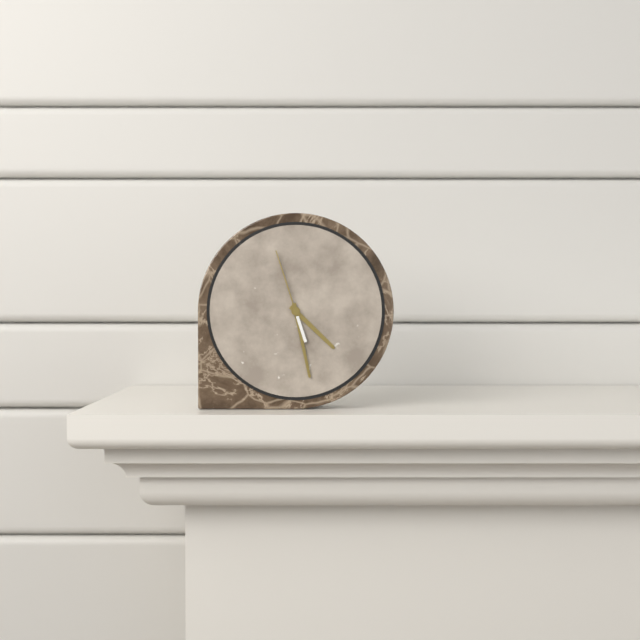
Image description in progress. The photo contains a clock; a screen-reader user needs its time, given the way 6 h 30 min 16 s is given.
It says 4 h 28 min 57 s
